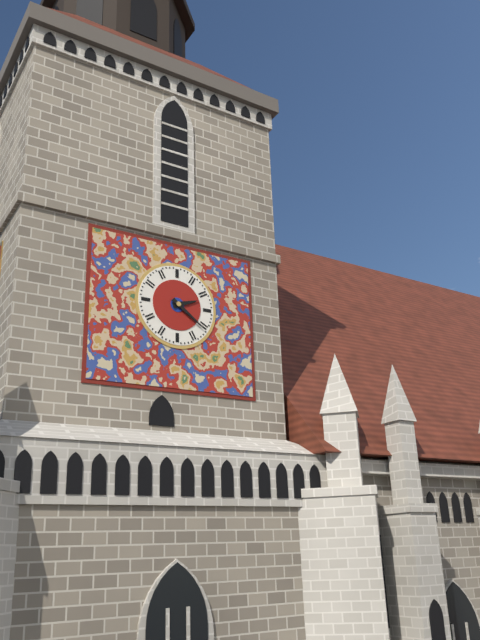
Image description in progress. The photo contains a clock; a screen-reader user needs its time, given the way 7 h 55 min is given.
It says 2 h 21 min
